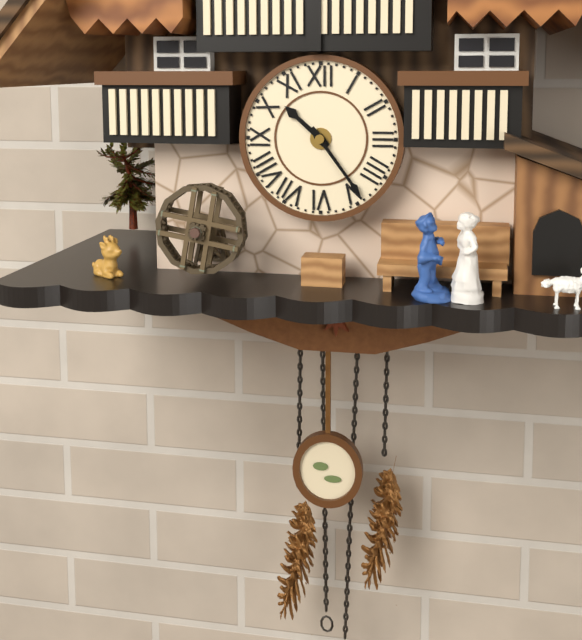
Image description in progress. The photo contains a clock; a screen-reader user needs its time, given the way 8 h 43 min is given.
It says 10 h 24 min
